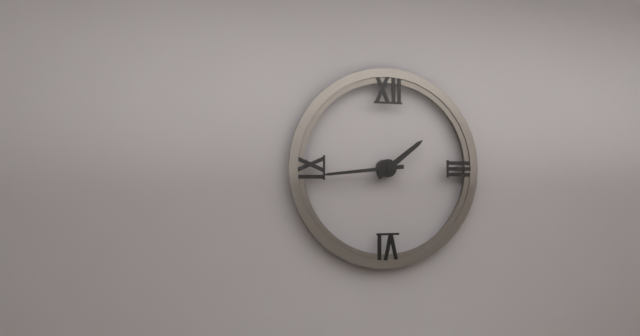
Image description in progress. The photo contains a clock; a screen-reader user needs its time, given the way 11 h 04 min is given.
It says 1 h 44 min
